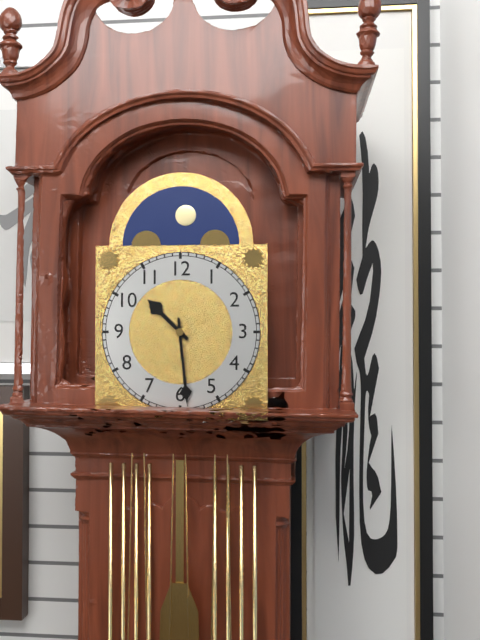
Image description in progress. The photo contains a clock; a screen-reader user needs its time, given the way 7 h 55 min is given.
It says 10 h 29 min
